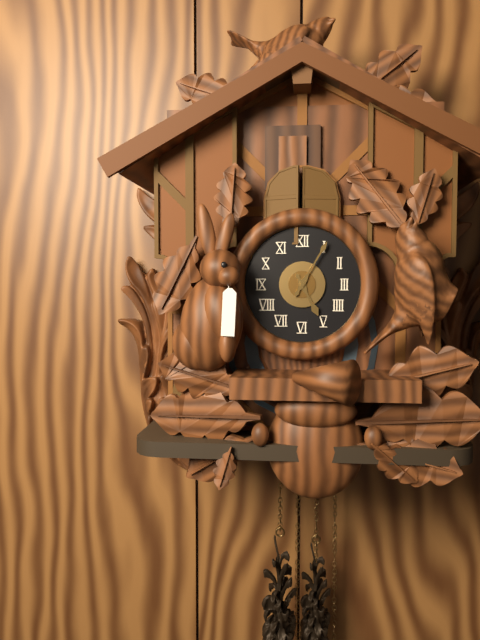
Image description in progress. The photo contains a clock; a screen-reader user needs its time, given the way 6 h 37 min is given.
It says 5 h 05 min
